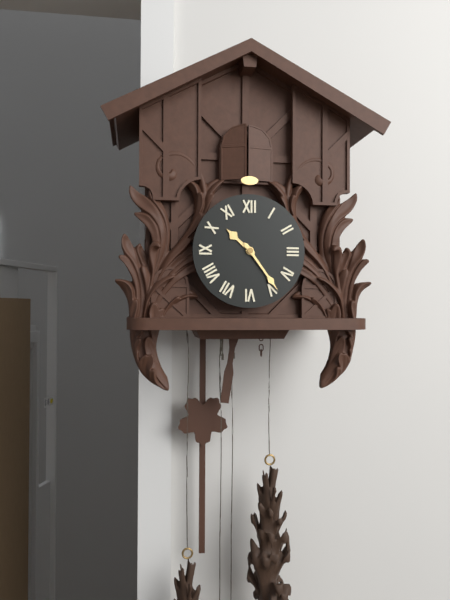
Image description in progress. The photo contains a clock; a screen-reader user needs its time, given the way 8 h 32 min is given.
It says 10 h 24 min
